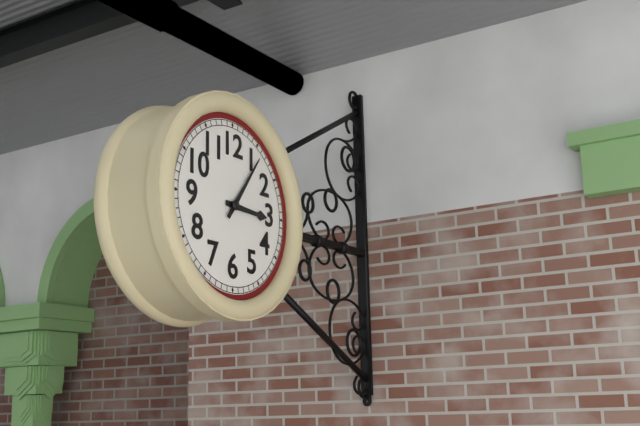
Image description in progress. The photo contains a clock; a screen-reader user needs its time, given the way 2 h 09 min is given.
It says 3 h 06 min
